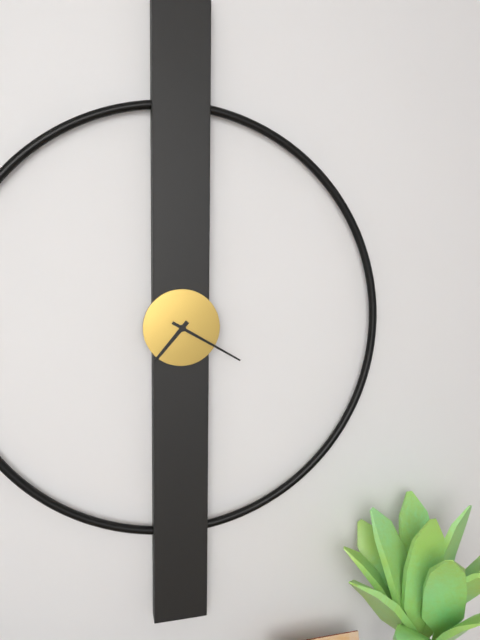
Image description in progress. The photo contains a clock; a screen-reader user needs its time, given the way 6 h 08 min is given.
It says 7 h 20 min
